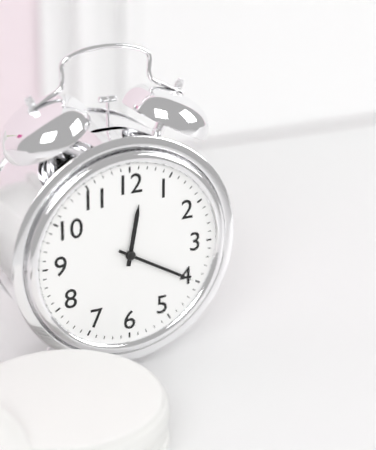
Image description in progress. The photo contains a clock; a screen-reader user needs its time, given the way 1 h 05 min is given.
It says 12 h 20 min
